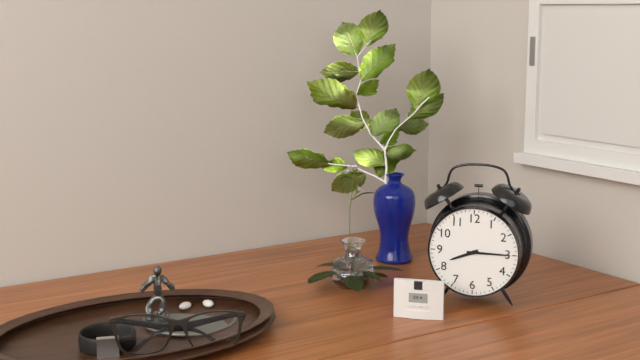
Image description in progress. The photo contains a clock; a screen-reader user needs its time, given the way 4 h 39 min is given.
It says 8 h 15 min
